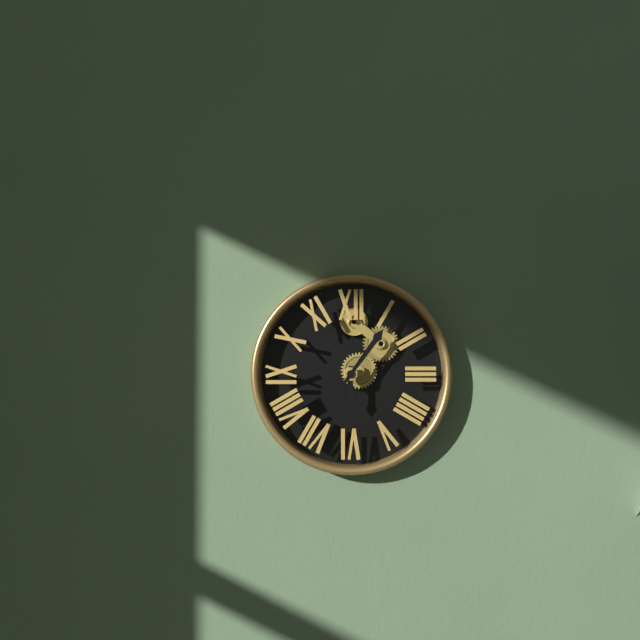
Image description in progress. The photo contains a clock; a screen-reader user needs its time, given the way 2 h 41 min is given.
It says 6 h 06 min
